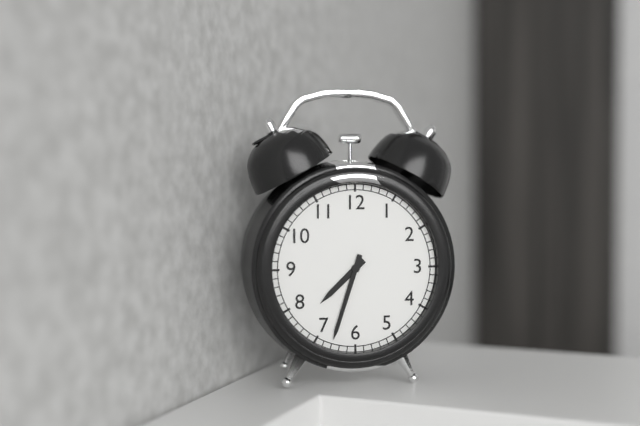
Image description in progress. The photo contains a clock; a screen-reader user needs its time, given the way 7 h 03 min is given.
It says 7 h 33 min
